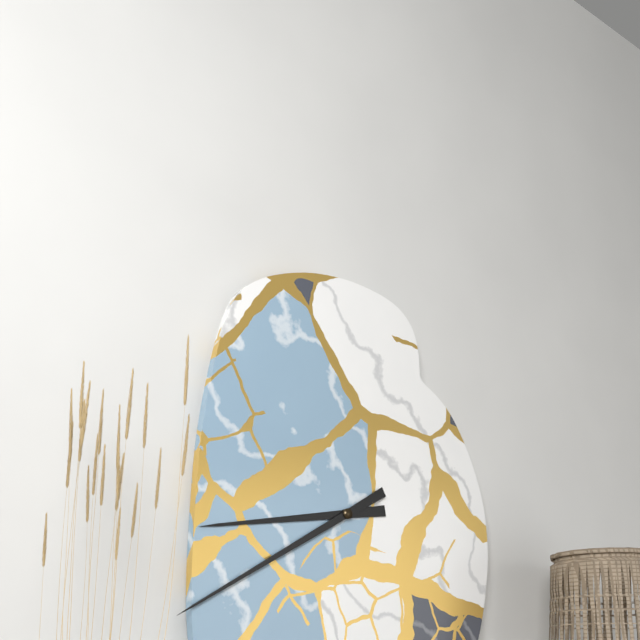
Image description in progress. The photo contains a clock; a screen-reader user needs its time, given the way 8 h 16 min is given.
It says 8 h 40 min
